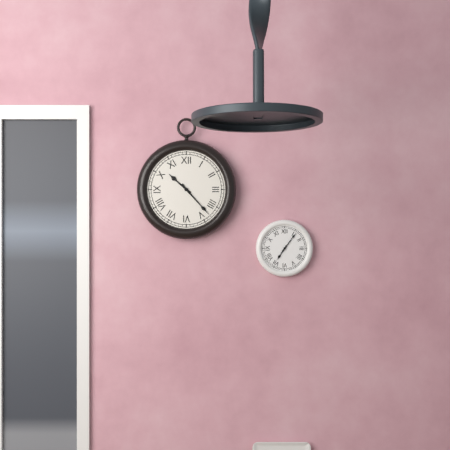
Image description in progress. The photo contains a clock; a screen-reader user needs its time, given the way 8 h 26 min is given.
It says 10 h 23 min
